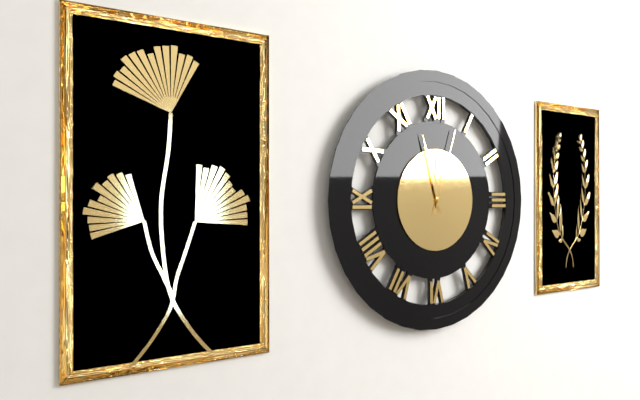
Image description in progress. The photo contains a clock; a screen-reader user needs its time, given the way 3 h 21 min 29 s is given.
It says 11 h 57 min 03 s
